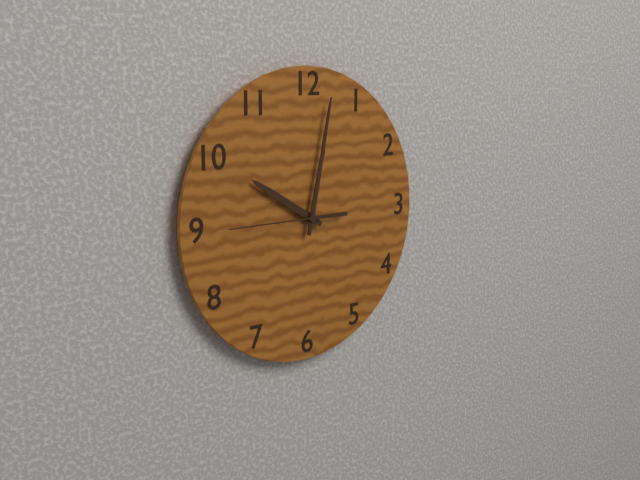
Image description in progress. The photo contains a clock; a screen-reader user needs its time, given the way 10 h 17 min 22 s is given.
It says 10 h 02 min 45 s
